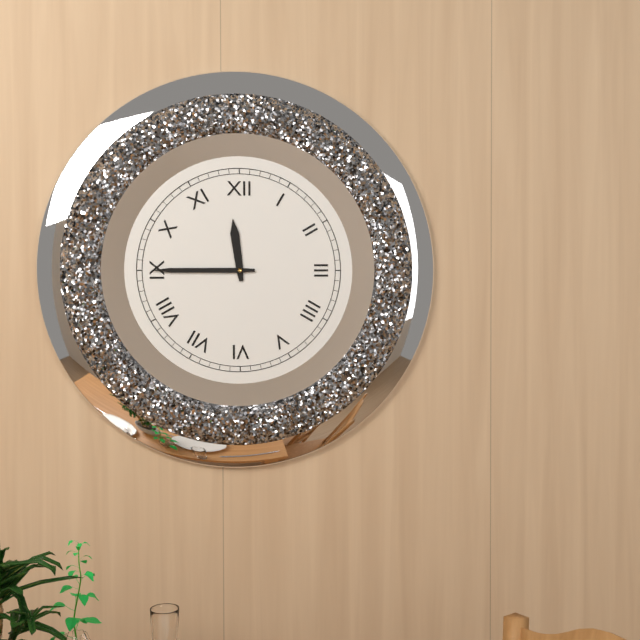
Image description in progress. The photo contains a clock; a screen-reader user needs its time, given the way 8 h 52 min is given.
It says 11 h 45 min
